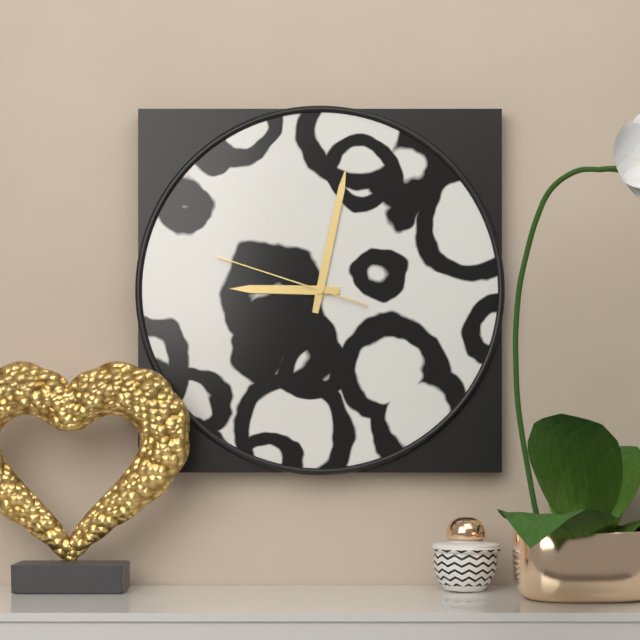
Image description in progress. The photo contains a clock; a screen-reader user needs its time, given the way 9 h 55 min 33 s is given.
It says 9 h 02 min 48 s
